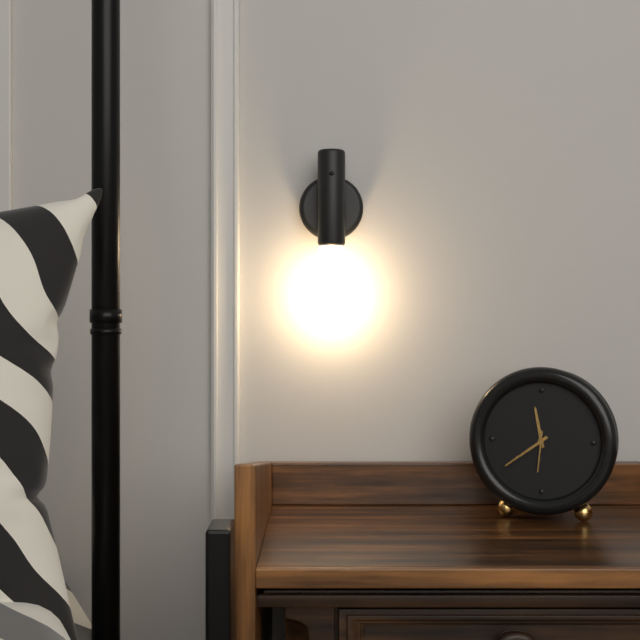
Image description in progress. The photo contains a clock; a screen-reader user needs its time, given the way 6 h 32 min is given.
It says 11 h 39 min
